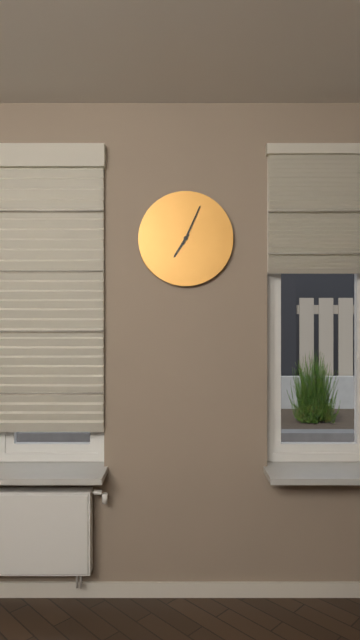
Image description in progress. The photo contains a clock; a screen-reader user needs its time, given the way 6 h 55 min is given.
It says 7 h 04 min
